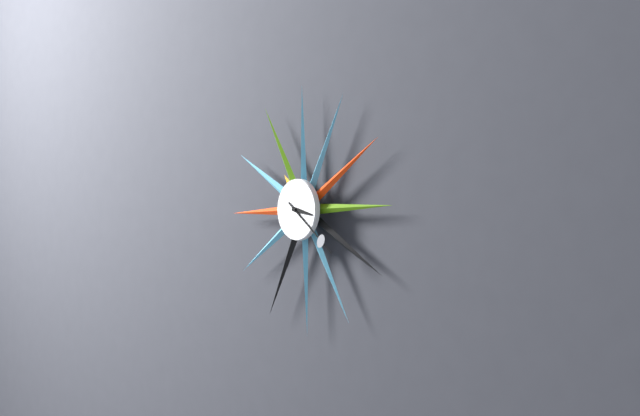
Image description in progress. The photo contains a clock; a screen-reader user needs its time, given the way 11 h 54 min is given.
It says 3 h 21 min
